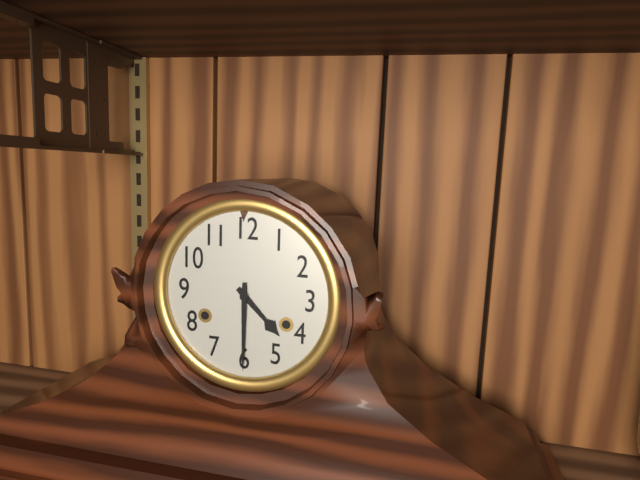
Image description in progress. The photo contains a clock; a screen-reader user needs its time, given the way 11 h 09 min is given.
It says 4 h 30 min
